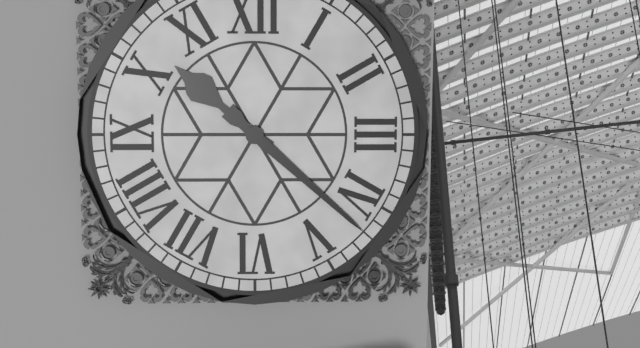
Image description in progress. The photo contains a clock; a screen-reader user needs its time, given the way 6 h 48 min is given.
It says 10 h 22 min
